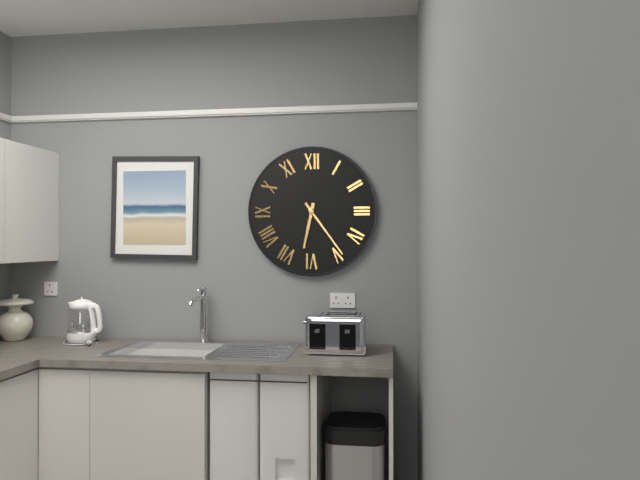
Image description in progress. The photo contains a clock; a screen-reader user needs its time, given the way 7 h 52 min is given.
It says 6 h 24 min
